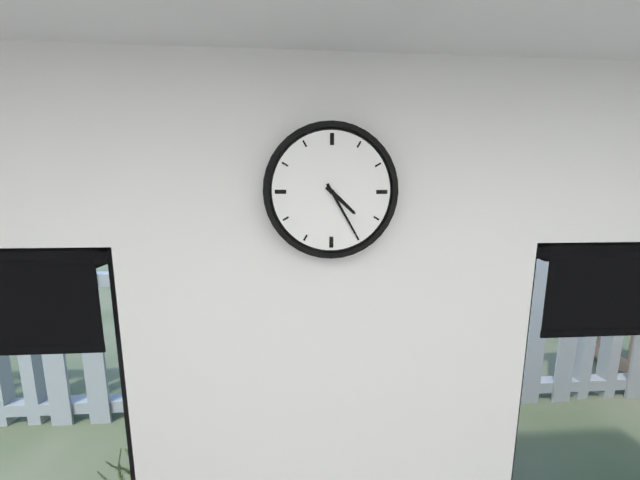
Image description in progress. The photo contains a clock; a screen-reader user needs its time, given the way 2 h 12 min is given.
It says 4 h 25 min
